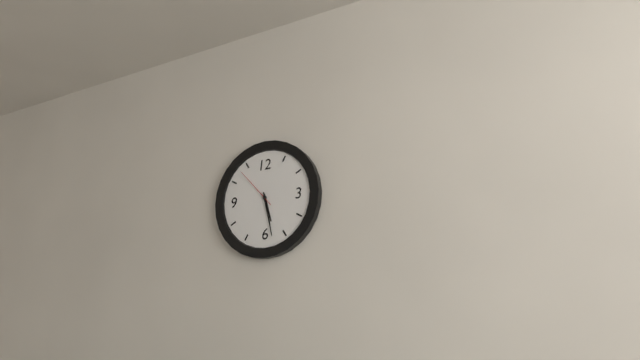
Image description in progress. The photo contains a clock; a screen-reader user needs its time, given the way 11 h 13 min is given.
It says 5 h 28 min
